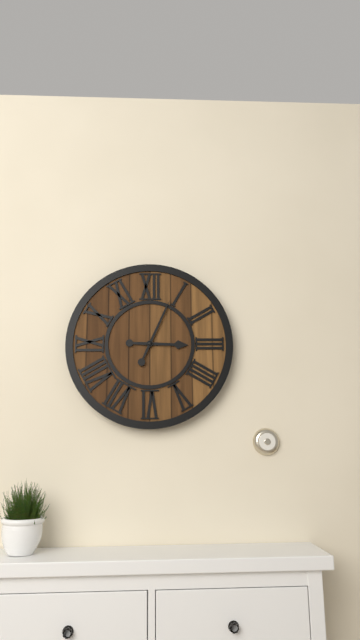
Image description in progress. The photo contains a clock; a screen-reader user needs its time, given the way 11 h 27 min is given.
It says 3 h 04 min
